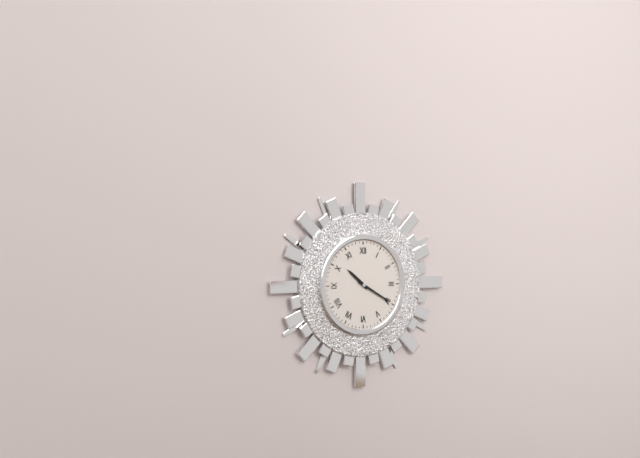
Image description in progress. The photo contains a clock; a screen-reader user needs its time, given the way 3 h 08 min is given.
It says 10 h 20 min
